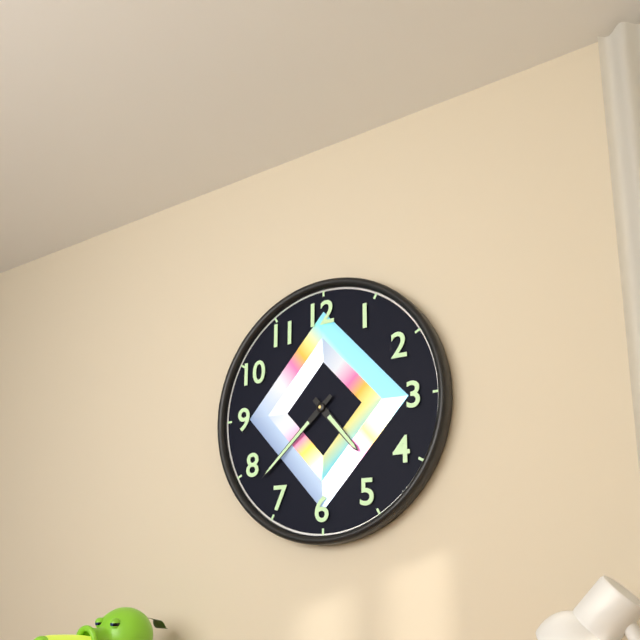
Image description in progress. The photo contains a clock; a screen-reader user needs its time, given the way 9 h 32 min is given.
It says 4 h 38 min
